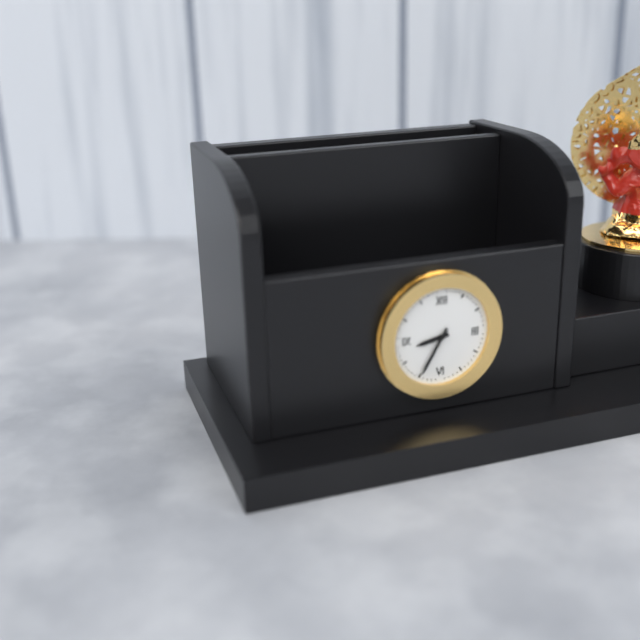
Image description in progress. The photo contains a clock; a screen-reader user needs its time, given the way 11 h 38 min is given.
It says 8 h 35 min
